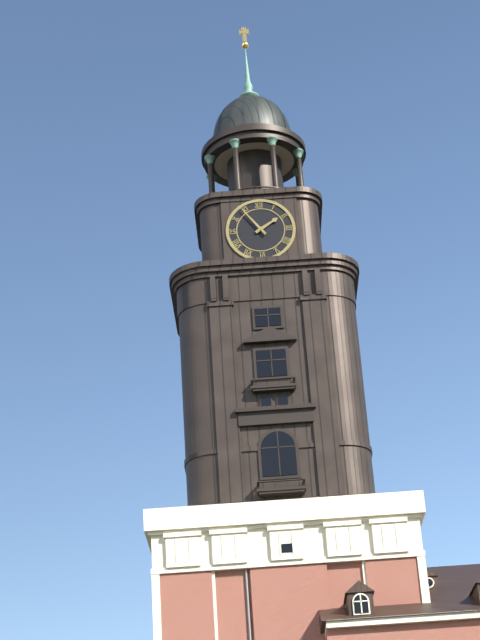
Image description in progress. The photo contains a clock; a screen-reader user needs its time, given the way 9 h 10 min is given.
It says 1 h 54 min
